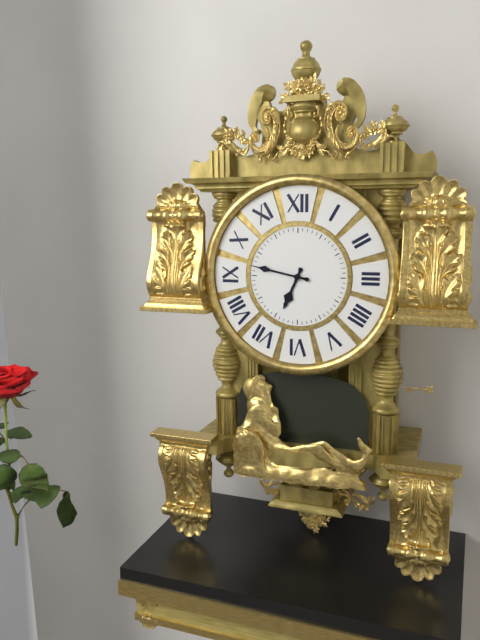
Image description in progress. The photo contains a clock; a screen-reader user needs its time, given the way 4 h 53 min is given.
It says 6 h 47 min
